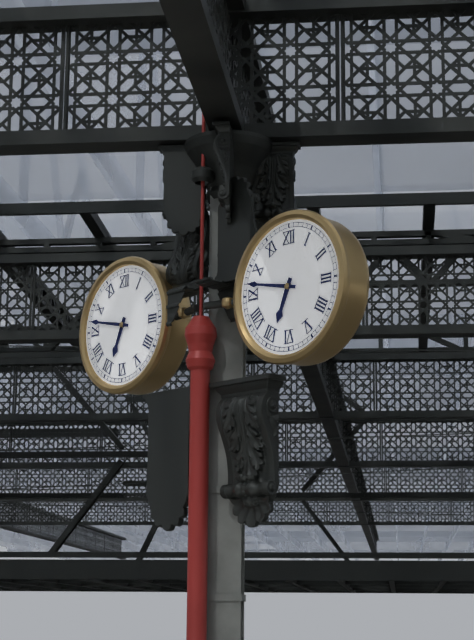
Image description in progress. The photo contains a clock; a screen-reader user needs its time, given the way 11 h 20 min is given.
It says 6 h 47 min
